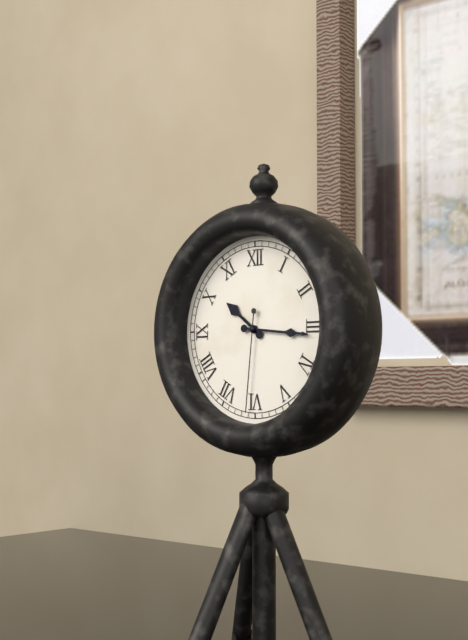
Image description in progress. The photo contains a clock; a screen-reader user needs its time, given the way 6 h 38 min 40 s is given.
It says 10 h 16 min 31 s
